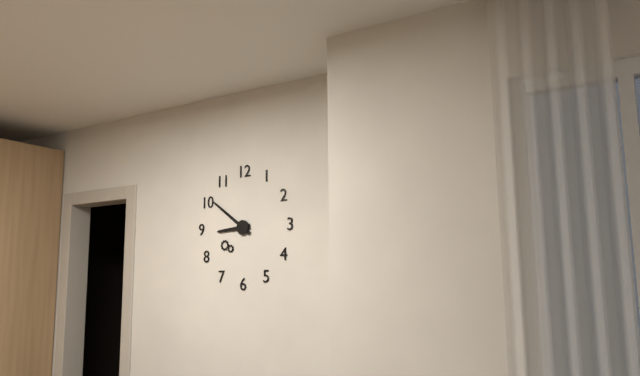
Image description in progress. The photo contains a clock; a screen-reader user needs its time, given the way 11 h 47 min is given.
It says 8 h 51 min
